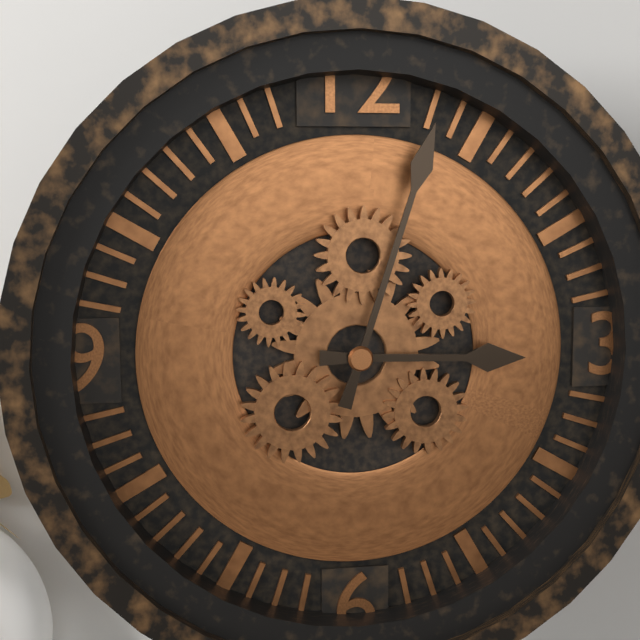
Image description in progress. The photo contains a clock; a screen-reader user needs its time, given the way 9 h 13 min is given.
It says 3 h 03 min
